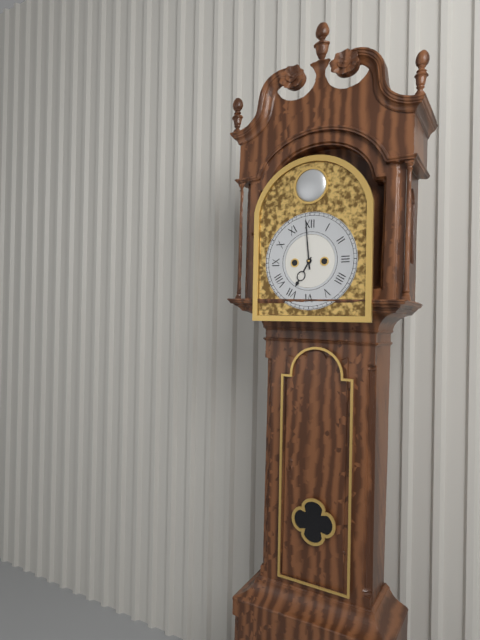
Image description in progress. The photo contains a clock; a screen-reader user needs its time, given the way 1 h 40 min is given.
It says 6 h 59 min
